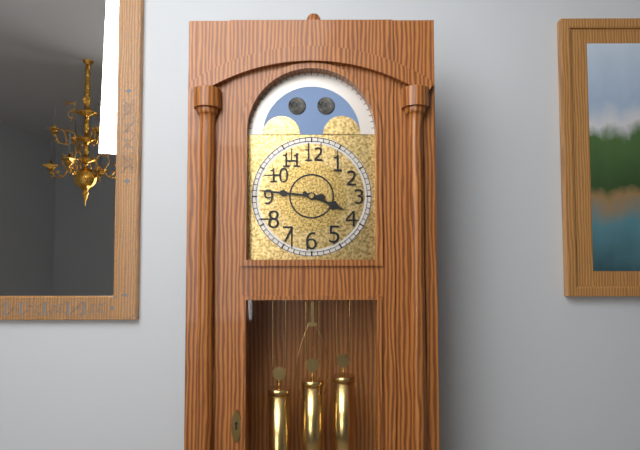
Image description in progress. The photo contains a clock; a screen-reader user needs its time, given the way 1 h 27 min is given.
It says 3 h 46 min
